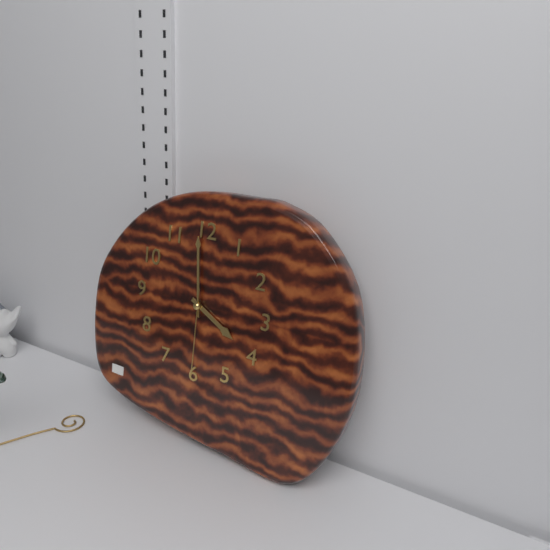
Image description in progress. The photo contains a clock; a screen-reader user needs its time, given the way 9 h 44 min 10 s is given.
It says 3 h 59 min 30 s
